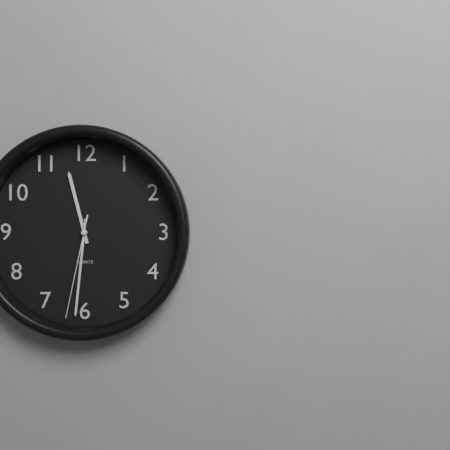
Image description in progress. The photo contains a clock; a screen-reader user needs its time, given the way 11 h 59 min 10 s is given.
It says 11 h 31 min 32 s
